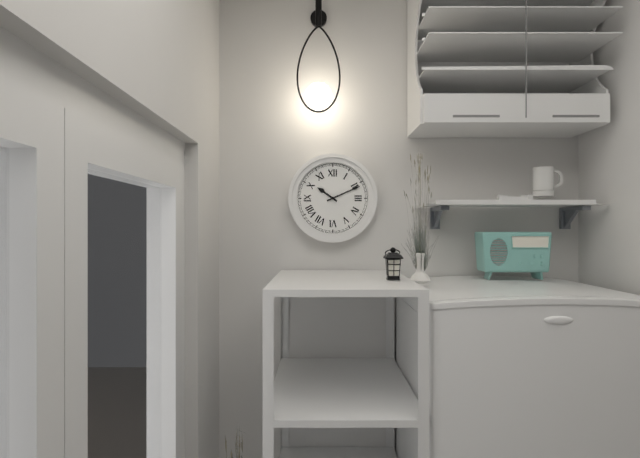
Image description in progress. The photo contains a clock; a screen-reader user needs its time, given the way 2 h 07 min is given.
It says 10 h 11 min
